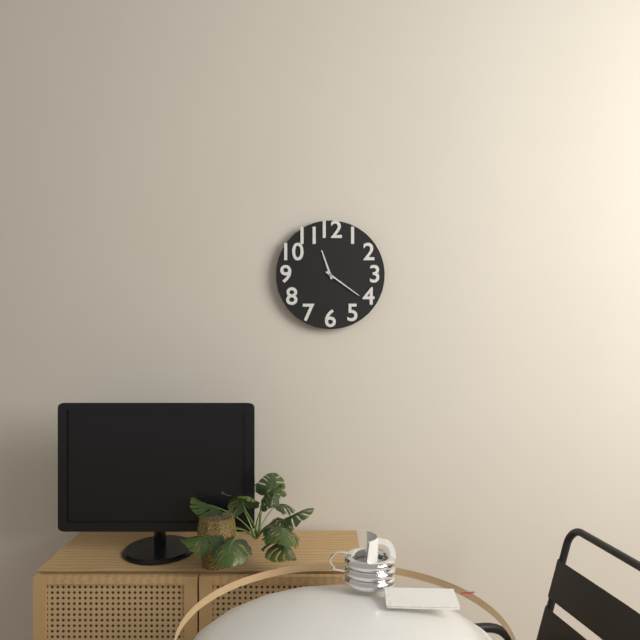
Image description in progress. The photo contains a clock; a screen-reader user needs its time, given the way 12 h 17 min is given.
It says 11 h 21 min
